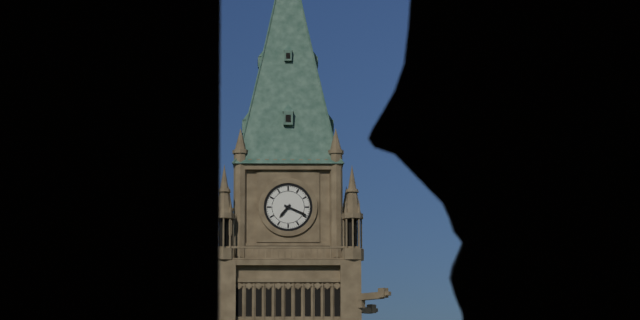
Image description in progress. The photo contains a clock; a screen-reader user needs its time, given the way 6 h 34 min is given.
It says 7 h 19 min
